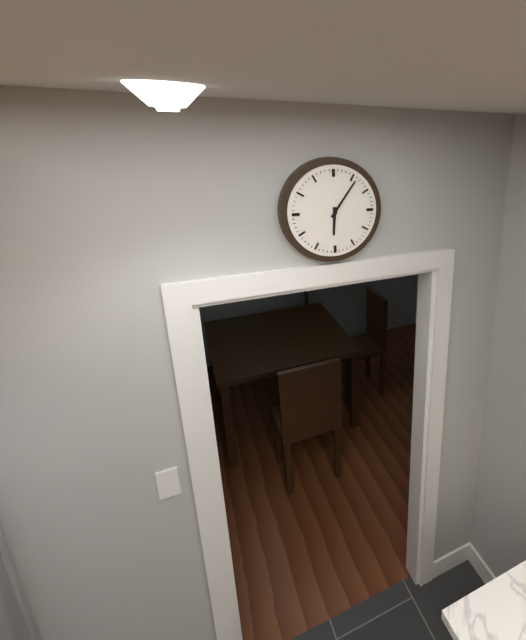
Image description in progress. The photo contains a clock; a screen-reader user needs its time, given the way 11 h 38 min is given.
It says 6 h 06 min
